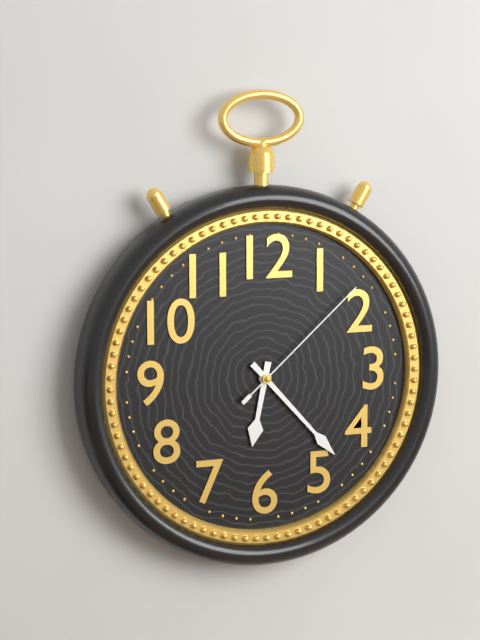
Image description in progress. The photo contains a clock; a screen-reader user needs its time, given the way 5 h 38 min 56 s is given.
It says 6 h 23 min 08 s
